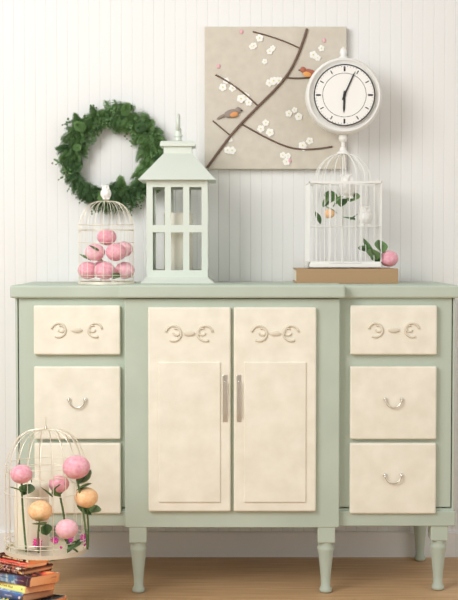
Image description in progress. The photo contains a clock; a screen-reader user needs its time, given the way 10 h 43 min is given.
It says 6 h 04 min
